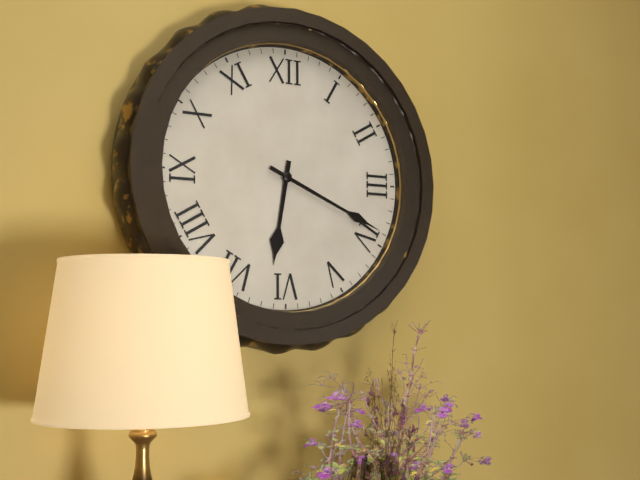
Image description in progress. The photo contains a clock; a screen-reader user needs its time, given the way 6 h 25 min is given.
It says 6 h 19 min
